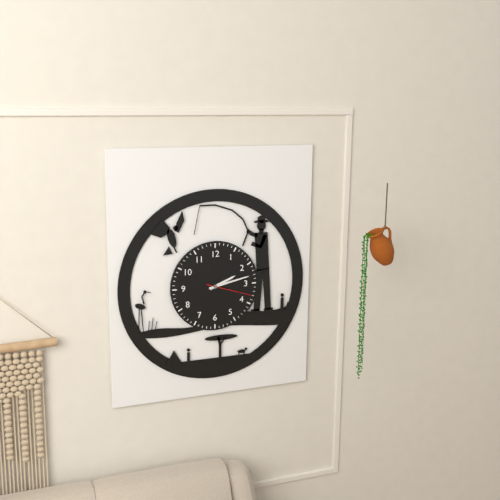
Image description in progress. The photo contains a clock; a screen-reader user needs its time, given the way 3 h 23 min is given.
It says 2 h 13 min
